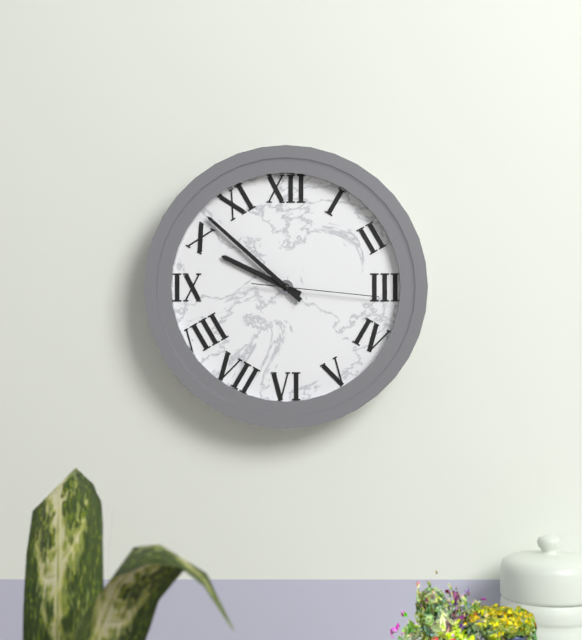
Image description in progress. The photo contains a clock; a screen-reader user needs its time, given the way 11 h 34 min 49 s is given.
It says 9 h 52 min 16 s
